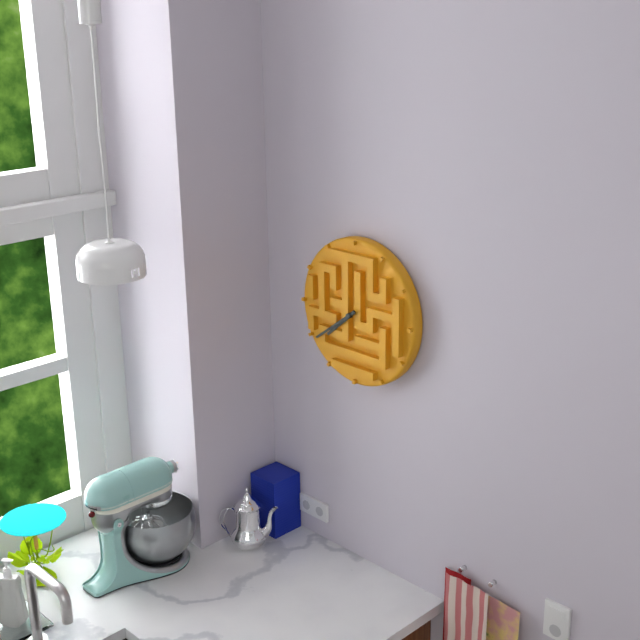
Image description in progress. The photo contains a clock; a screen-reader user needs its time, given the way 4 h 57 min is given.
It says 7 h 39 min
